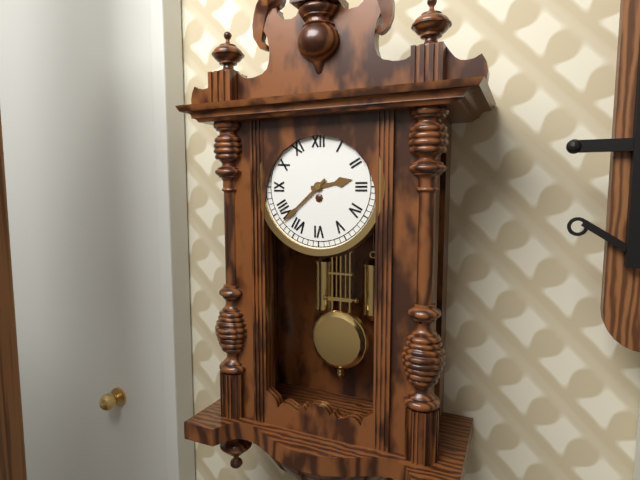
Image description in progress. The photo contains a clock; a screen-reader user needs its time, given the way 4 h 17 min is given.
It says 2 h 38 min
